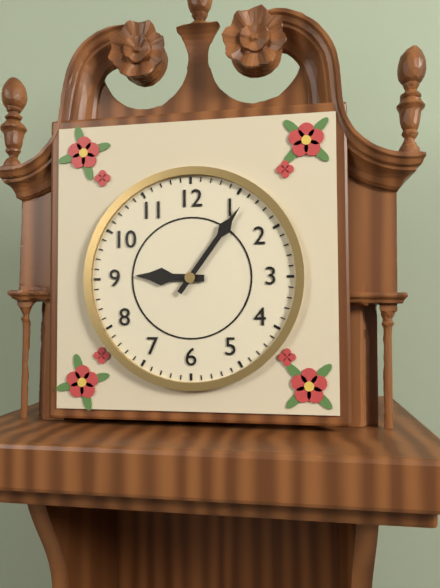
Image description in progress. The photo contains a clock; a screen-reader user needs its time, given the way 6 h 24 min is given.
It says 9 h 06 min
